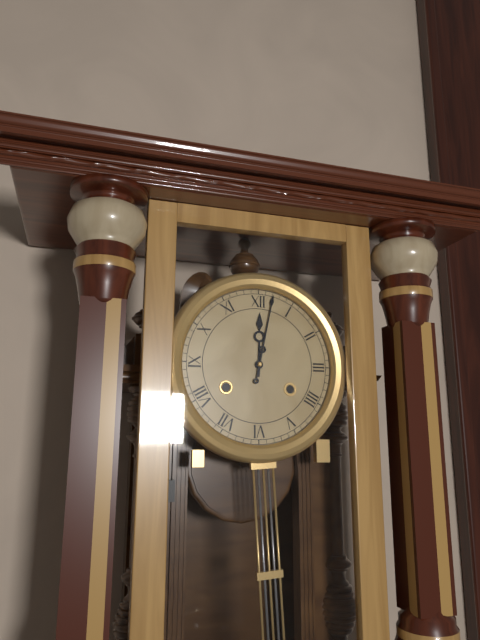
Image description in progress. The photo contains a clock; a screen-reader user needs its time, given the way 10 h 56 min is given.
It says 12 h 02 min
